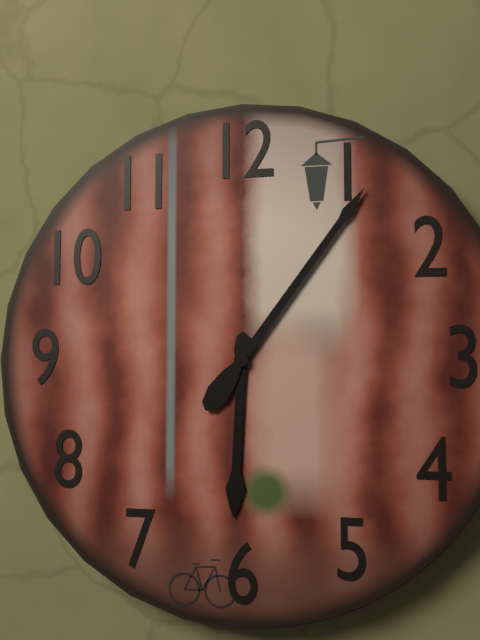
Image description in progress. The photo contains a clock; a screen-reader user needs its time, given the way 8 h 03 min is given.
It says 6 h 06 min
